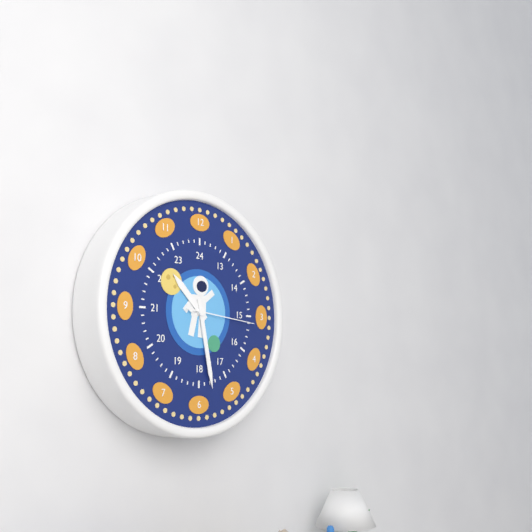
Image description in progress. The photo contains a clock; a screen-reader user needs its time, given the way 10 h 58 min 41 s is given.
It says 10 h 28 min 16 s
